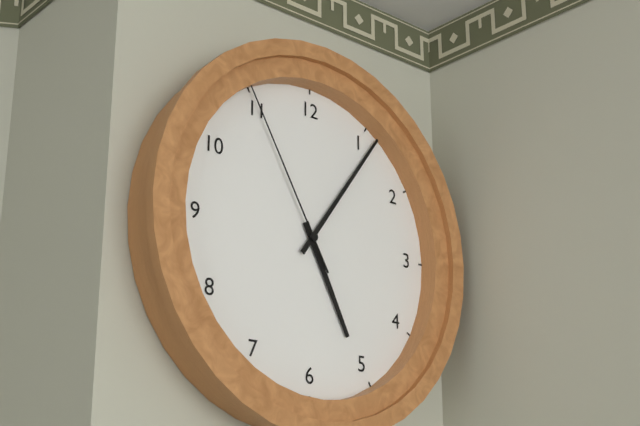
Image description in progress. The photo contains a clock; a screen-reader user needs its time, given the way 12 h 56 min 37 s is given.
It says 5 h 06 min 55 s
